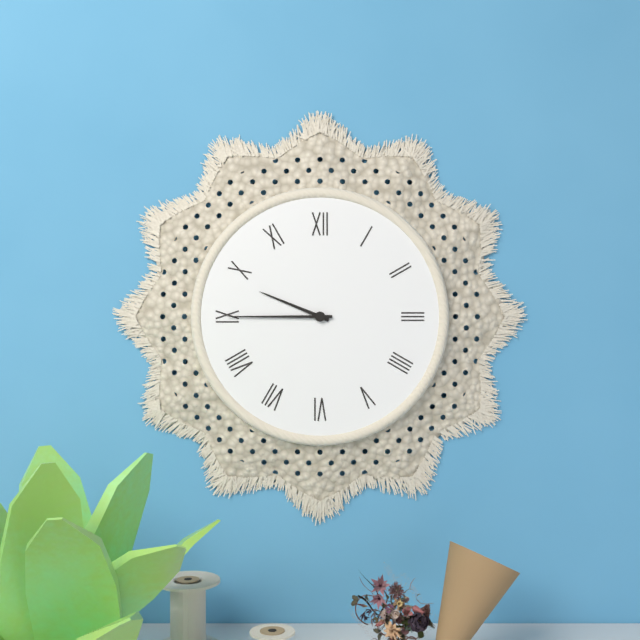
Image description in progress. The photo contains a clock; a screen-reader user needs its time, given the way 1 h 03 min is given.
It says 9 h 45 min
